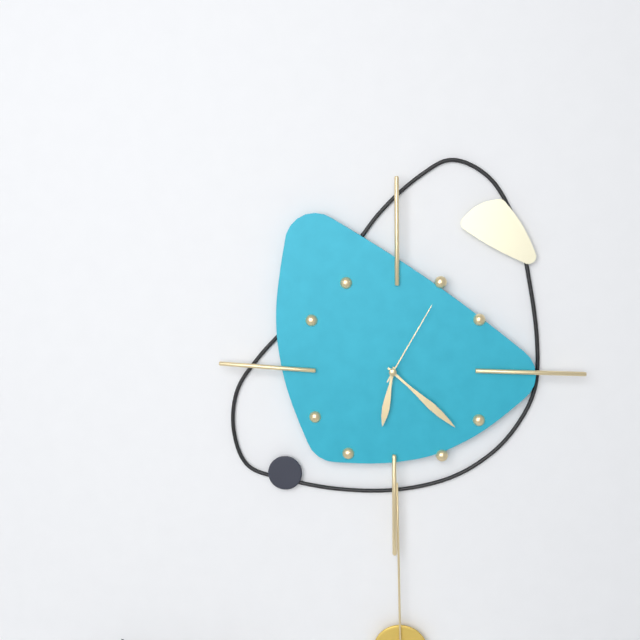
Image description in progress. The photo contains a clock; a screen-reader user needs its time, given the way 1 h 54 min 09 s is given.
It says 6 h 22 min 05 s
